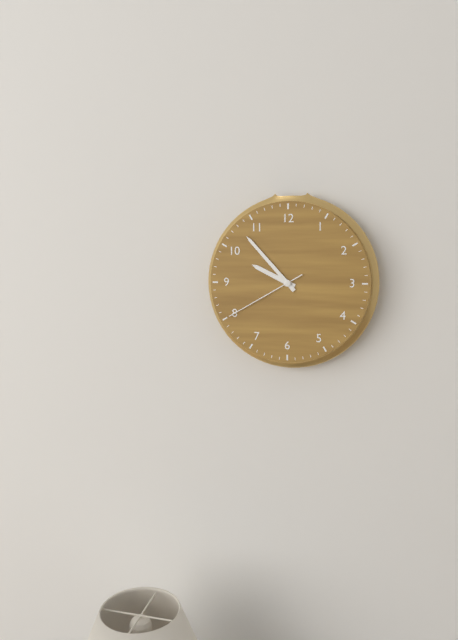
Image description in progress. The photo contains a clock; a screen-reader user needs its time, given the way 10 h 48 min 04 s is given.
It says 9 h 53 min 40 s
